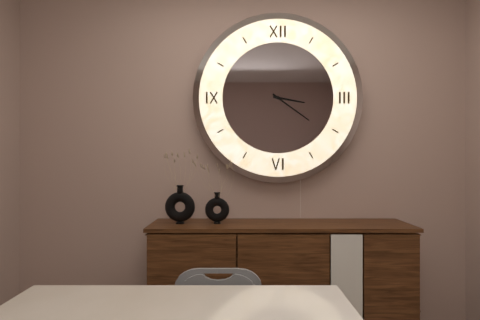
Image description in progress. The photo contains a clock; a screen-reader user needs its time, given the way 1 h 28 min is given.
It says 3 h 21 min
